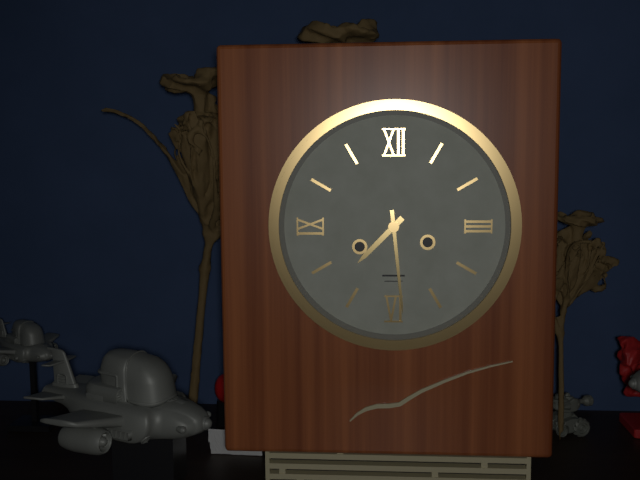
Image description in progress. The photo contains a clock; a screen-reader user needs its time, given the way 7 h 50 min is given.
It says 7 h 29 min
